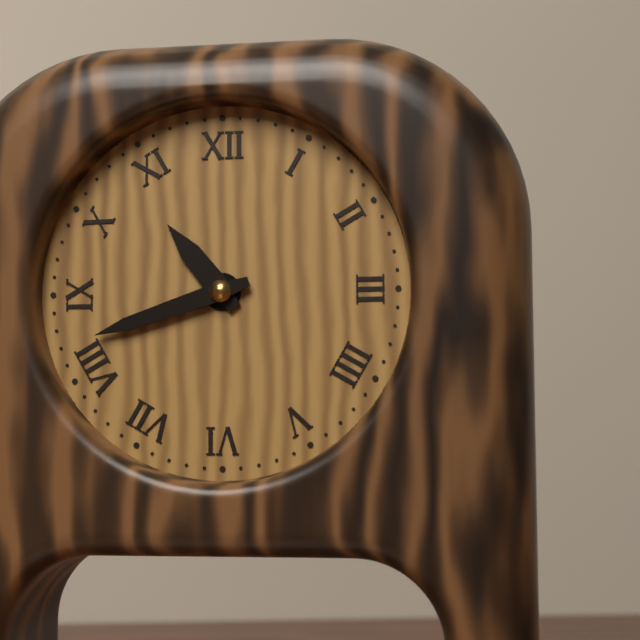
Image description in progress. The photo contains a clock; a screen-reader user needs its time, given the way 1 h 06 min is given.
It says 10 h 42 min
